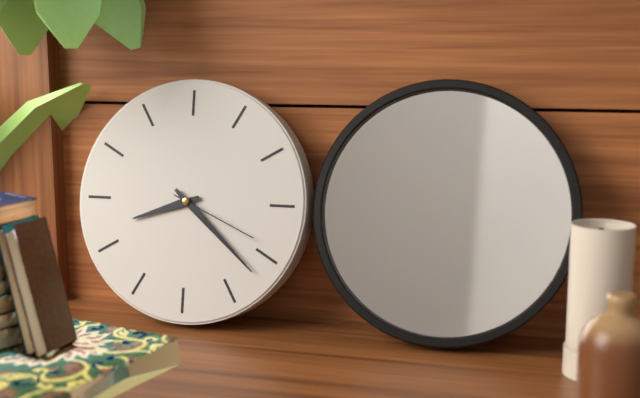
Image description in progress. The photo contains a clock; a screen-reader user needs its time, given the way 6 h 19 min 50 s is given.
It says 8 h 22 min 19 s
